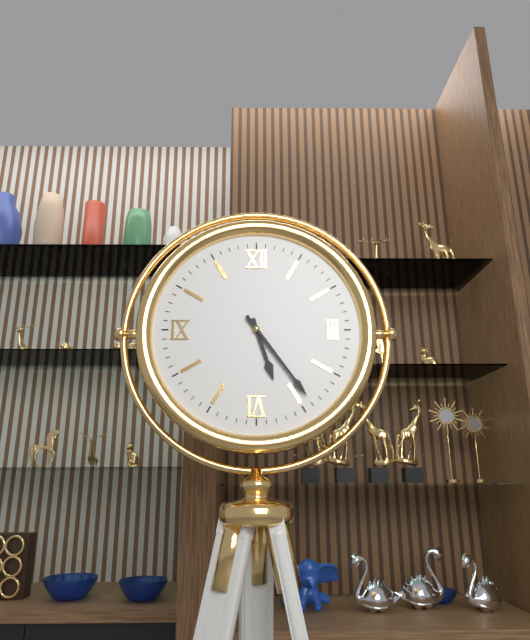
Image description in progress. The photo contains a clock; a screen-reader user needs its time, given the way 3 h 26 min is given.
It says 5 h 24 min
